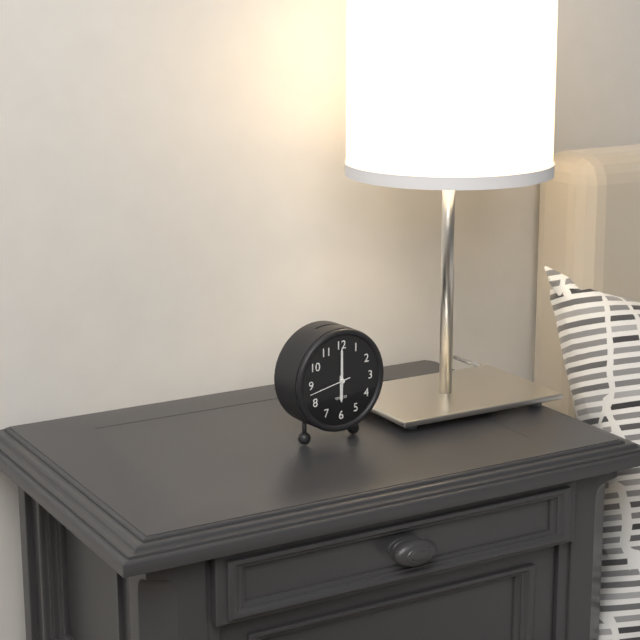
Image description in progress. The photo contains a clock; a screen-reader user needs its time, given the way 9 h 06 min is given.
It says 6 h 00 min
